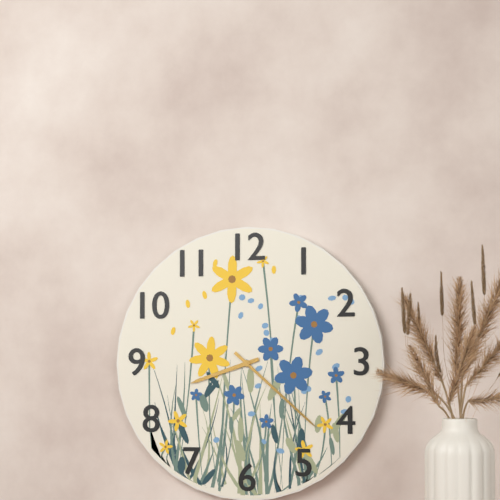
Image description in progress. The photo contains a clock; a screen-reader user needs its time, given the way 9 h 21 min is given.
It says 8 h 22 min
